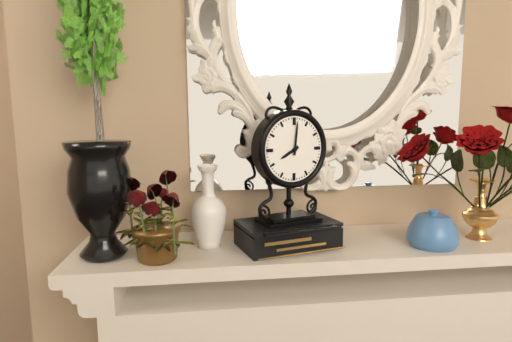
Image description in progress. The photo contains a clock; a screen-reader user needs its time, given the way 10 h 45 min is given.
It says 8 h 01 min
